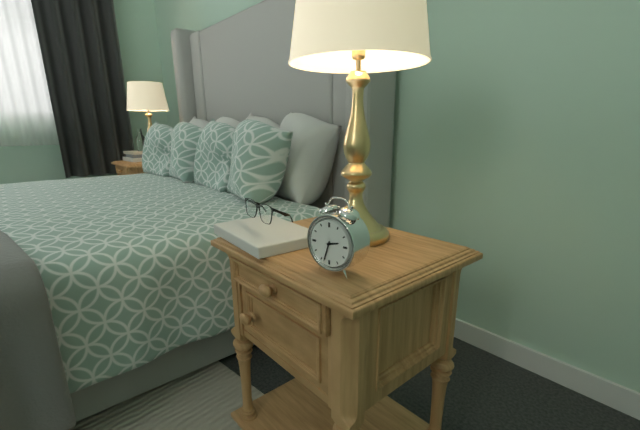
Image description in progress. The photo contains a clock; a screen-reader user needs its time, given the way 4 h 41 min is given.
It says 2 h 33 min
